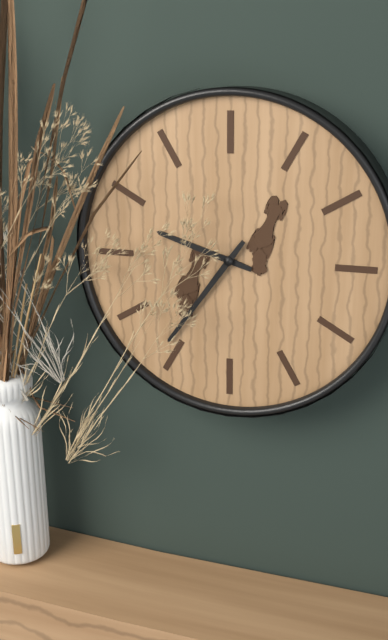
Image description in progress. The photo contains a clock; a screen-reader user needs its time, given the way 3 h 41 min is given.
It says 9 h 36 min
